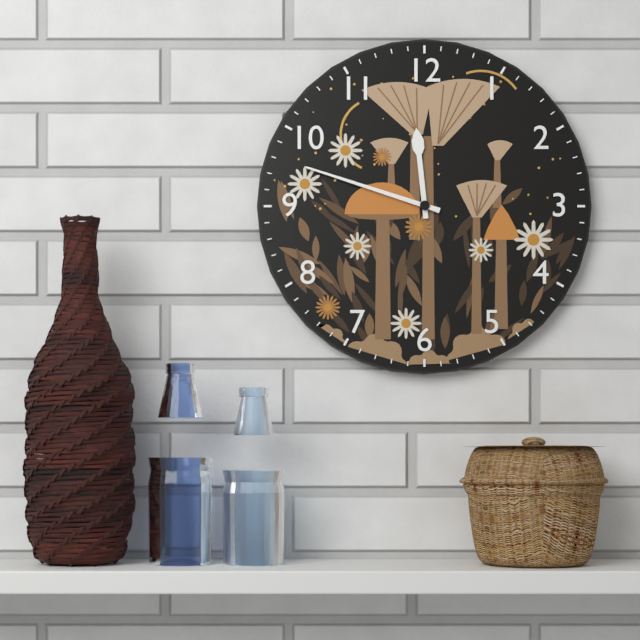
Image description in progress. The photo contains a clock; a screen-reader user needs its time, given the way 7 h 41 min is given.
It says 11 h 48 min
